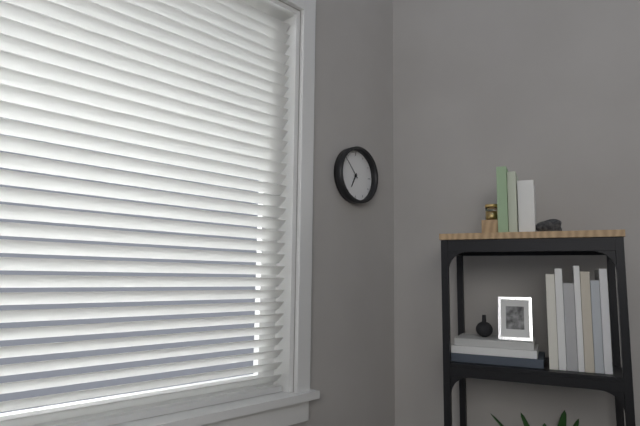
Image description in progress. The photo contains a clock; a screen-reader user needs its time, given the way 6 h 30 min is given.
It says 6 h 53 min
